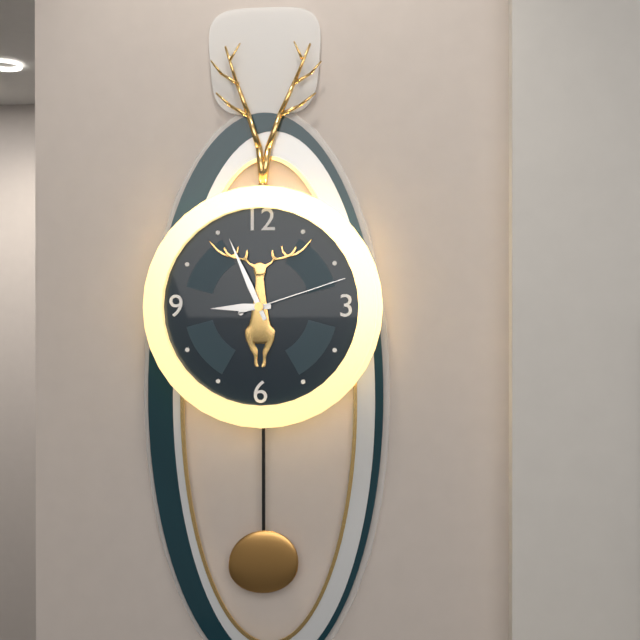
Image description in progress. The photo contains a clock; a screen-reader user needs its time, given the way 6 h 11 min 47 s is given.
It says 8 h 56 min 12 s
